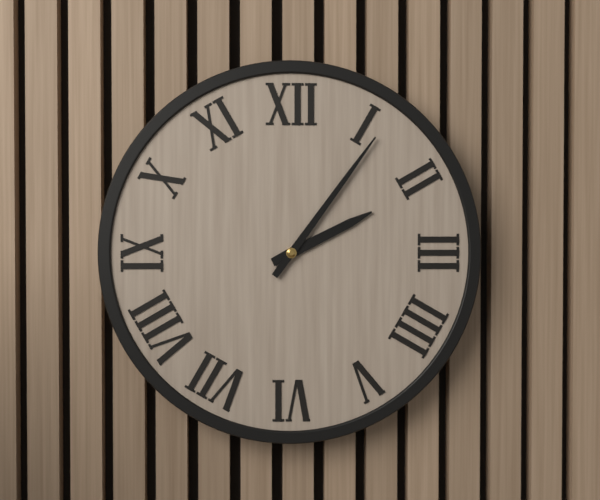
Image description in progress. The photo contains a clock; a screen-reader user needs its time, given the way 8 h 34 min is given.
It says 2 h 06 min
